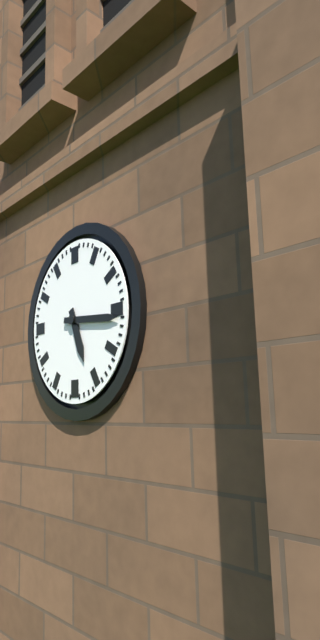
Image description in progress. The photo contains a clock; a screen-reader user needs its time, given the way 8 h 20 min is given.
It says 5 h 16 min
